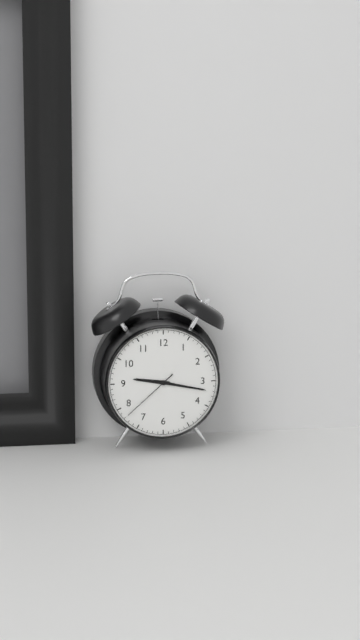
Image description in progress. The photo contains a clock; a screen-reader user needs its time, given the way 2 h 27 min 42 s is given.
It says 9 h 17 min 38 s
